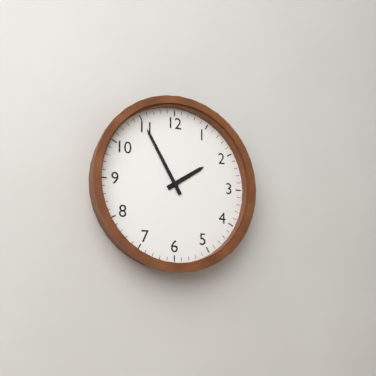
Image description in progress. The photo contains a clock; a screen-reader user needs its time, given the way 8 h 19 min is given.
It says 1 h 55 min
